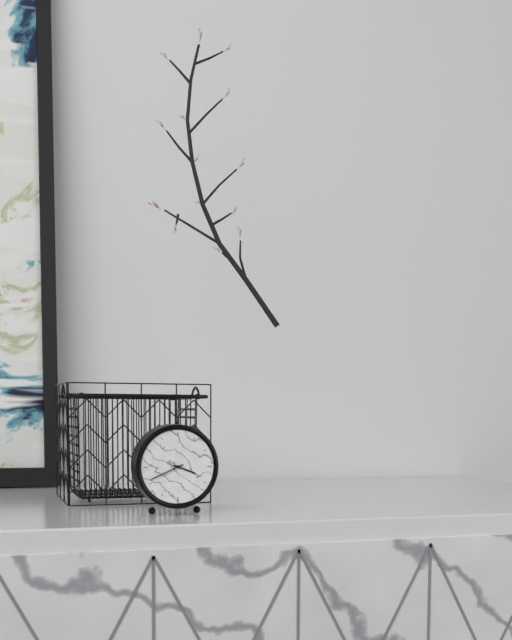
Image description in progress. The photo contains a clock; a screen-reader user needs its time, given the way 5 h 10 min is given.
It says 3 h 41 min
